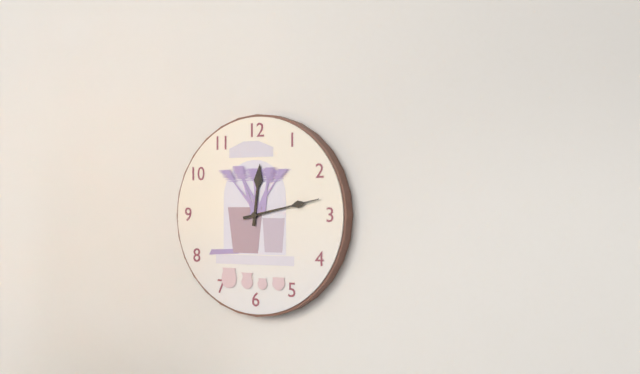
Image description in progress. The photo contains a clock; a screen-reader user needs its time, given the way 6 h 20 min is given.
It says 12 h 13 min
